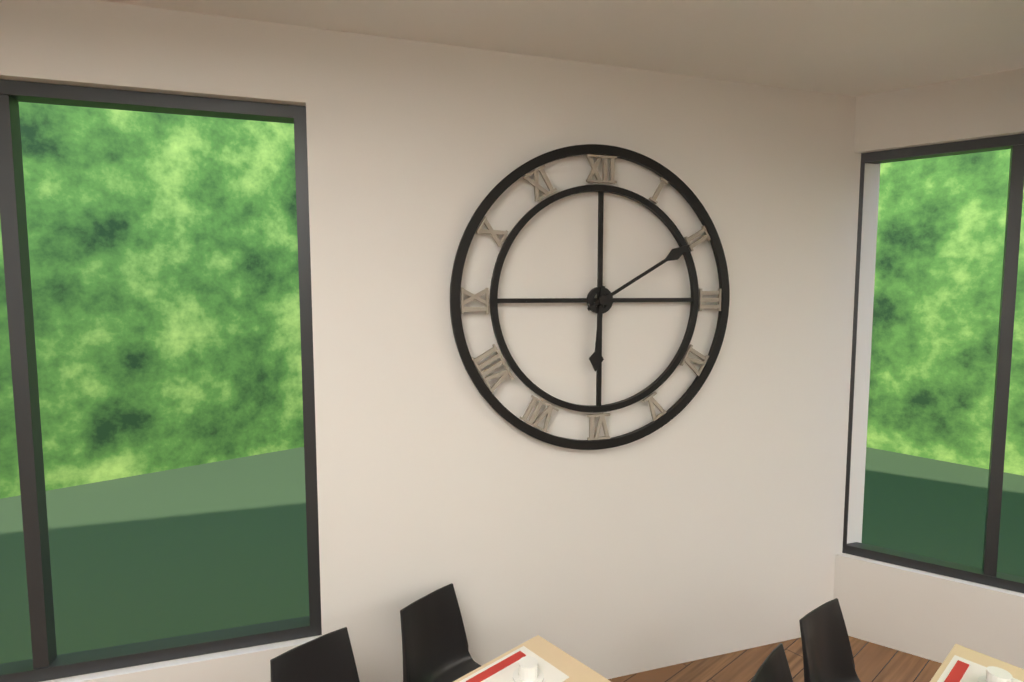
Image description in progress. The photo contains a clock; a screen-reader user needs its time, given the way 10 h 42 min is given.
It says 6 h 10 min
